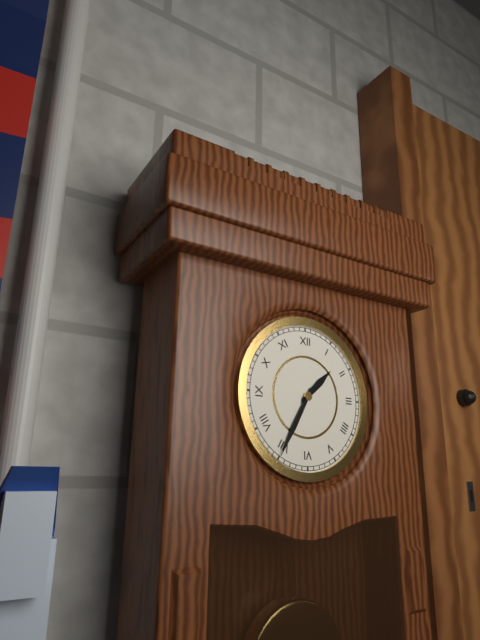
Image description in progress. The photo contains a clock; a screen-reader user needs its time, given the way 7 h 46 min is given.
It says 1 h 35 min
